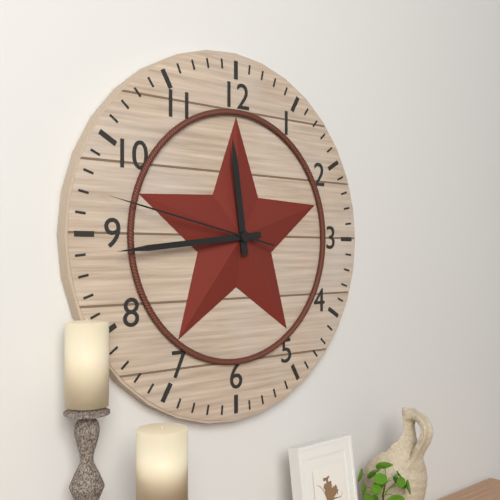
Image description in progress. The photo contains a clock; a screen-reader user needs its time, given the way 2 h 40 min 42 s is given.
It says 11 h 44 min 47 s
